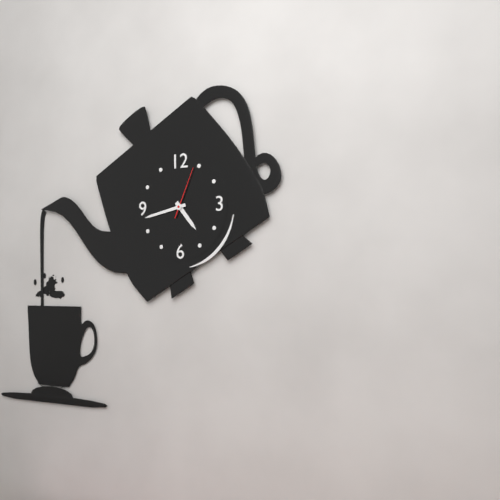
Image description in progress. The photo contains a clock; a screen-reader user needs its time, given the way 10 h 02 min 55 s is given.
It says 4 h 43 min 04 s
